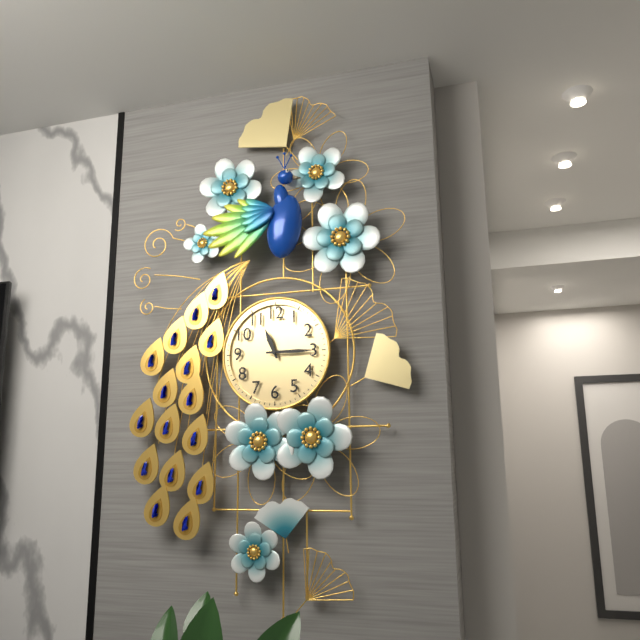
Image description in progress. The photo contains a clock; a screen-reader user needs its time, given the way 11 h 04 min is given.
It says 11 h 15 min
